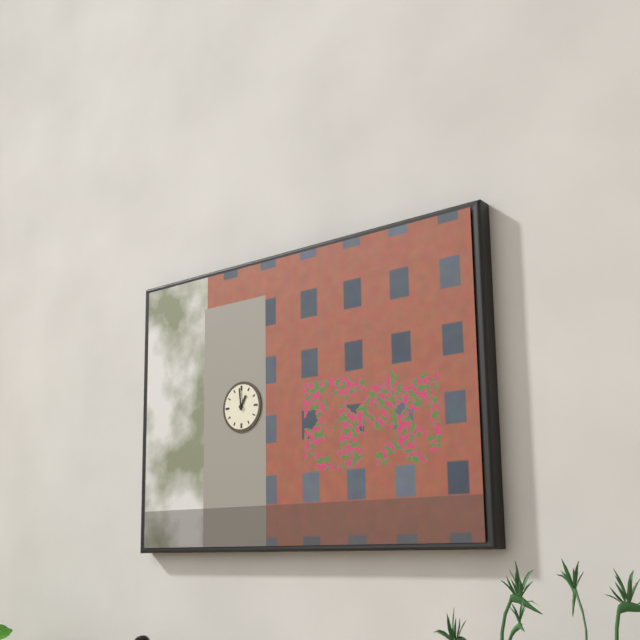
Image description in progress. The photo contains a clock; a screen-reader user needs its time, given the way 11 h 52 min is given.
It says 12 h 59 min
